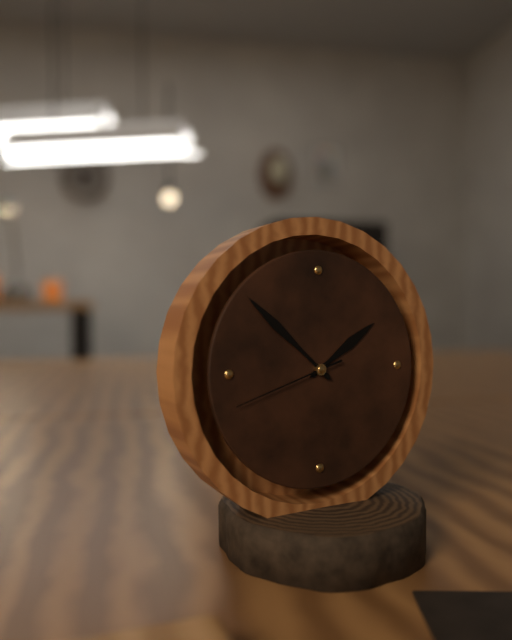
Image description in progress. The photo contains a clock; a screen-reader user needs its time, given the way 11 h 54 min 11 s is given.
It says 1 h 52 min 42 s
